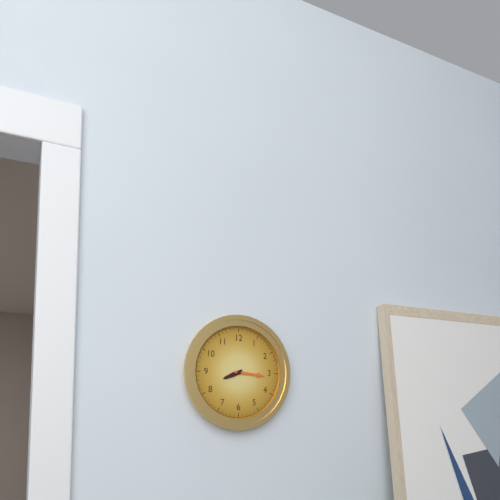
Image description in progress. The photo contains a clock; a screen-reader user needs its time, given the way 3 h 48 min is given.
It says 8 h 16 min
